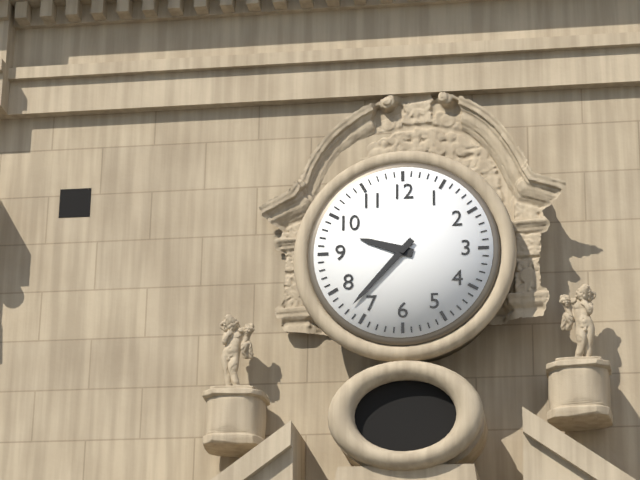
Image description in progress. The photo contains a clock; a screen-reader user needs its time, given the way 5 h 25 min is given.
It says 9 h 37 min
